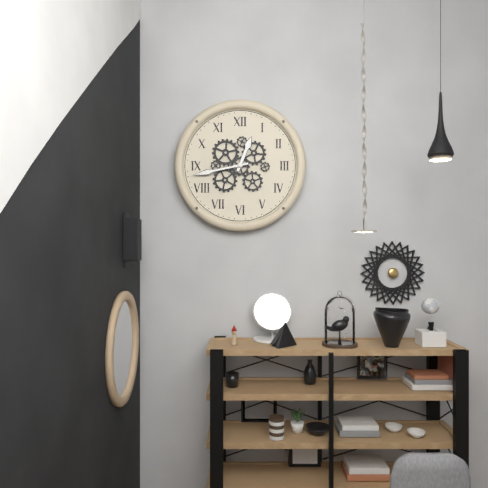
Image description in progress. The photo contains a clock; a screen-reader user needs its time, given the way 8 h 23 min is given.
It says 12 h 43 min
